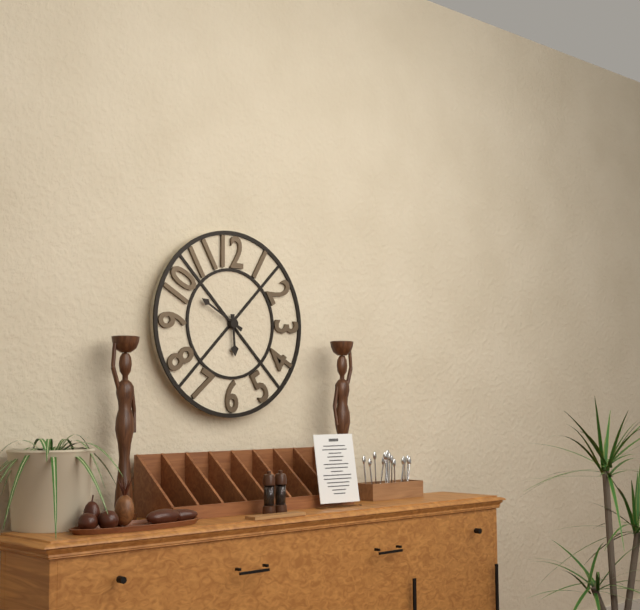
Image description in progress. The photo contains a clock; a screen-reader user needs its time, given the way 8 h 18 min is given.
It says 5 h 50 min
